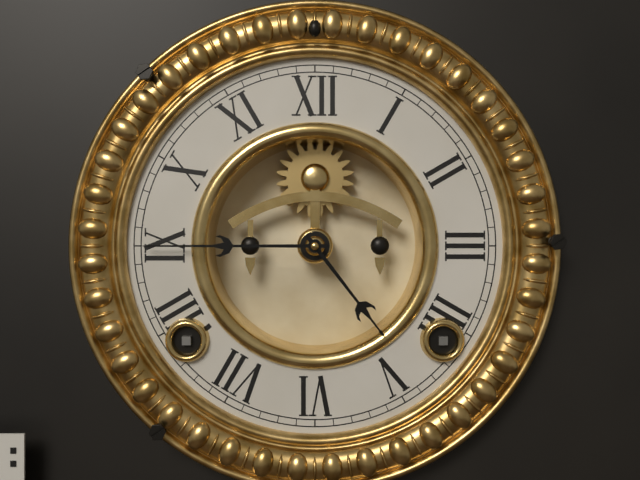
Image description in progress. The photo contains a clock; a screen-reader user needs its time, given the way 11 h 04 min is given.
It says 4 h 45 min
